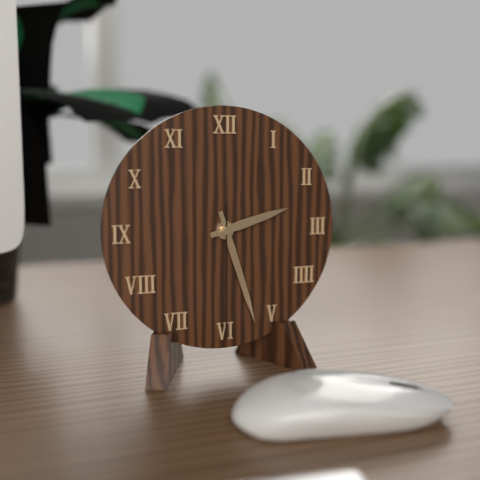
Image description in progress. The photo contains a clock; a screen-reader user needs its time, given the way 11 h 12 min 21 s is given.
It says 2 h 27 min 30 s
